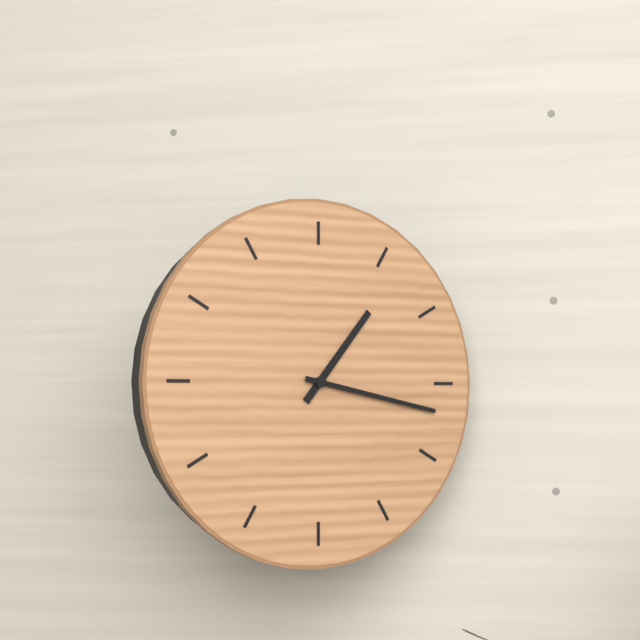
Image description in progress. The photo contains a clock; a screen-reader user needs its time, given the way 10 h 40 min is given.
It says 1 h 17 min
